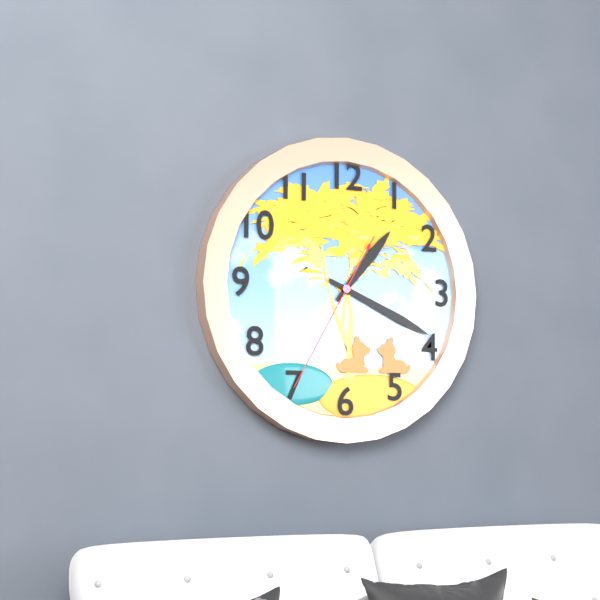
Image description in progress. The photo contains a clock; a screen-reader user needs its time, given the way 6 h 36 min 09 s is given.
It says 1 h 19 min 35 s
